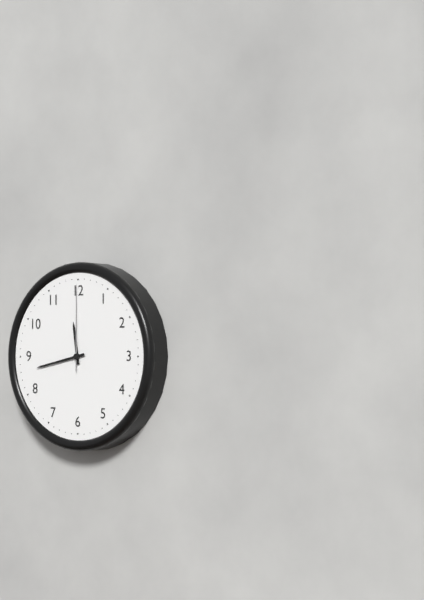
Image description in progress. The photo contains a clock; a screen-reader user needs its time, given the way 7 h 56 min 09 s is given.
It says 11 h 43 min 00 s
